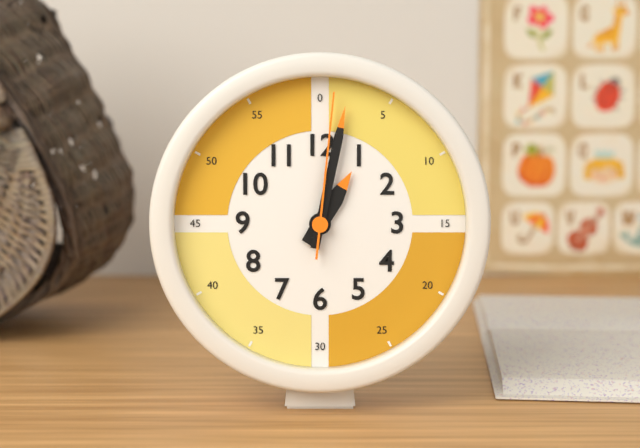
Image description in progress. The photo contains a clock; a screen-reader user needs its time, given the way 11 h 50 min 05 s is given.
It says 1 h 02 min 01 s
